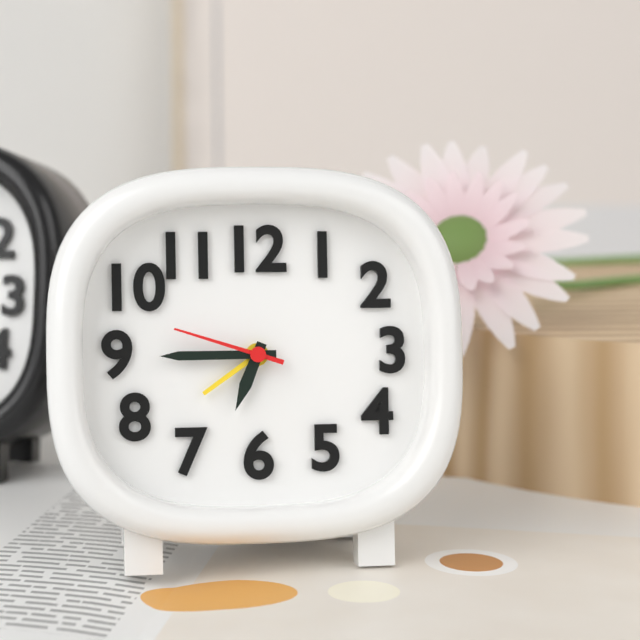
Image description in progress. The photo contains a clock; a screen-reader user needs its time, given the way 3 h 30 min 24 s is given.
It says 6 h 45 min 48 s
